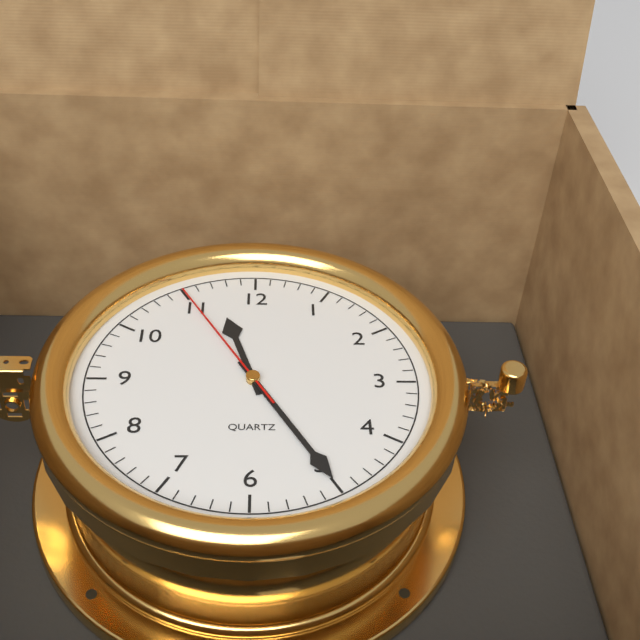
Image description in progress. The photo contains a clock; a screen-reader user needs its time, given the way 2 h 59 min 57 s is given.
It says 11 h 25 min 55 s
